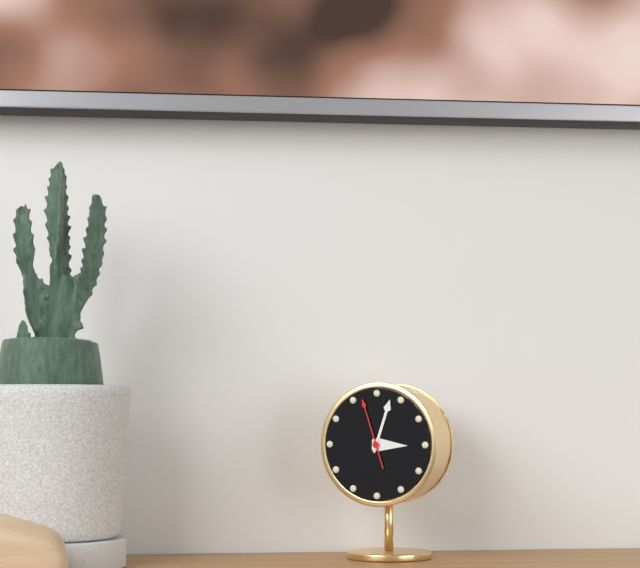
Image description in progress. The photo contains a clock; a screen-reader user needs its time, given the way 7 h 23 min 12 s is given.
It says 3 h 03 min 57 s
